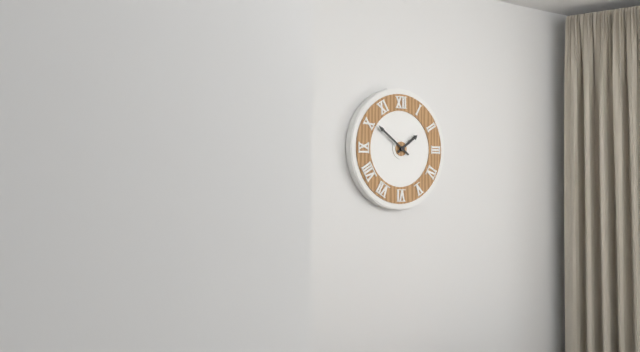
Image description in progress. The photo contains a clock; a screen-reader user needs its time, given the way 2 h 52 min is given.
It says 1 h 51 min
